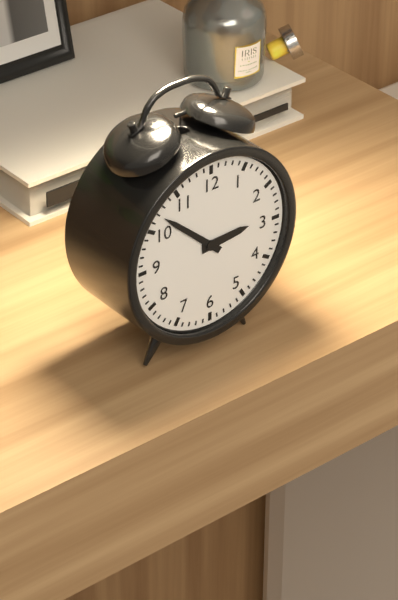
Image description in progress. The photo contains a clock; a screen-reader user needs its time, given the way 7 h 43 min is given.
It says 2 h 52 min
